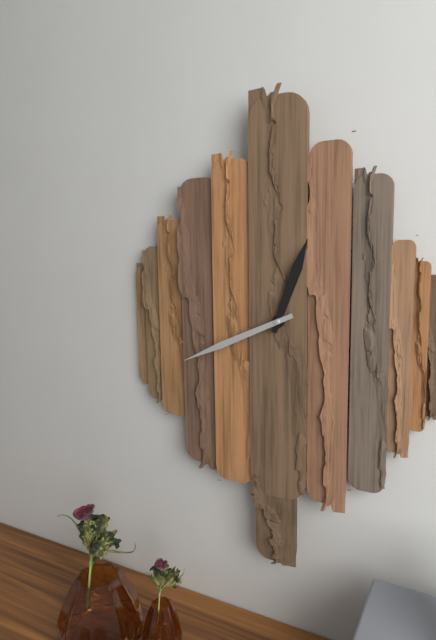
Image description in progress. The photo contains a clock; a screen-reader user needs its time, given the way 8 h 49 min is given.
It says 12 h 41 min
